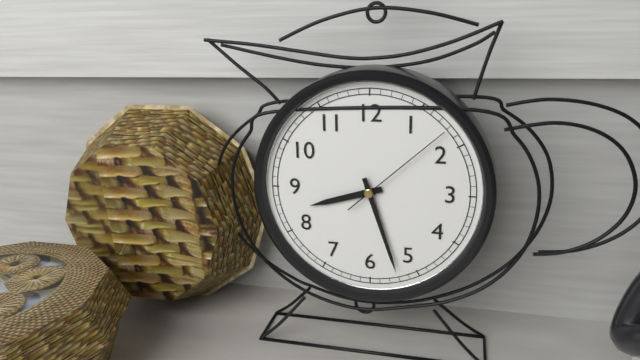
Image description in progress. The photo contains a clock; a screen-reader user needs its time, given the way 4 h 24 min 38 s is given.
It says 8 h 27 min 08 s
